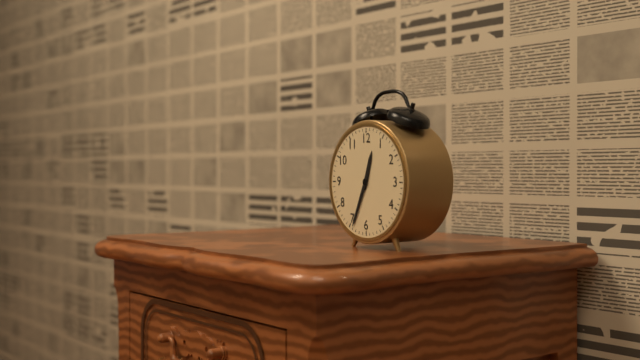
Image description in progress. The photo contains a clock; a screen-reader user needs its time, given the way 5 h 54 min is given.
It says 12 h 34 min
